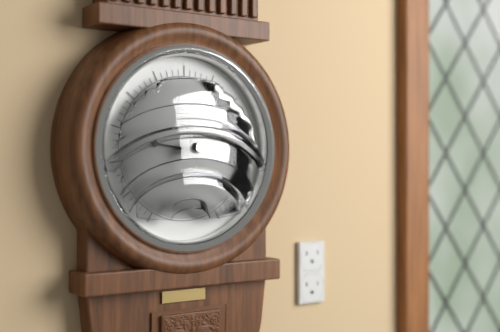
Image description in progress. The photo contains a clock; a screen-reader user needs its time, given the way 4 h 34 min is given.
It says 9 h 15 min
